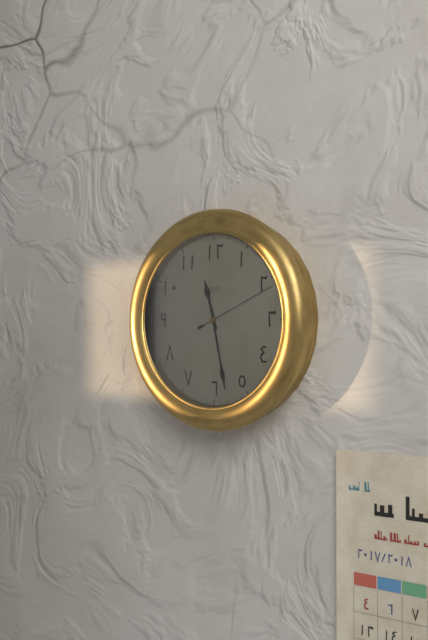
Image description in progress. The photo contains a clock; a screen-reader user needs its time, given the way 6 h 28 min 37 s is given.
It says 11 h 28 min 11 s
